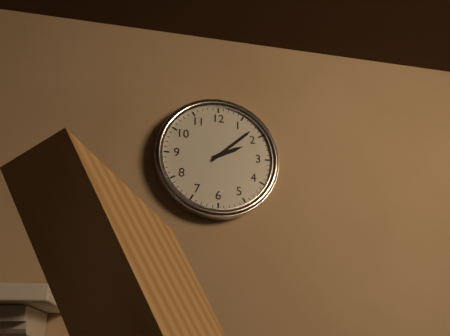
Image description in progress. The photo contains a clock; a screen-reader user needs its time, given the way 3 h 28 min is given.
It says 2 h 08 min
